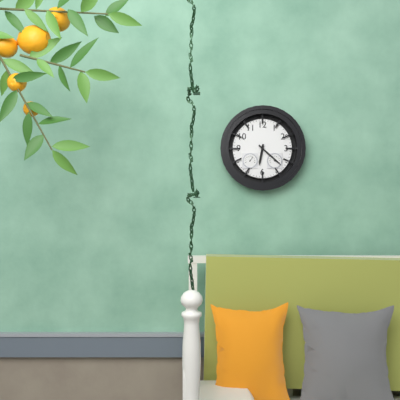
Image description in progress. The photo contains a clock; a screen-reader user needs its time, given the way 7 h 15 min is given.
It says 6 h 22 min
